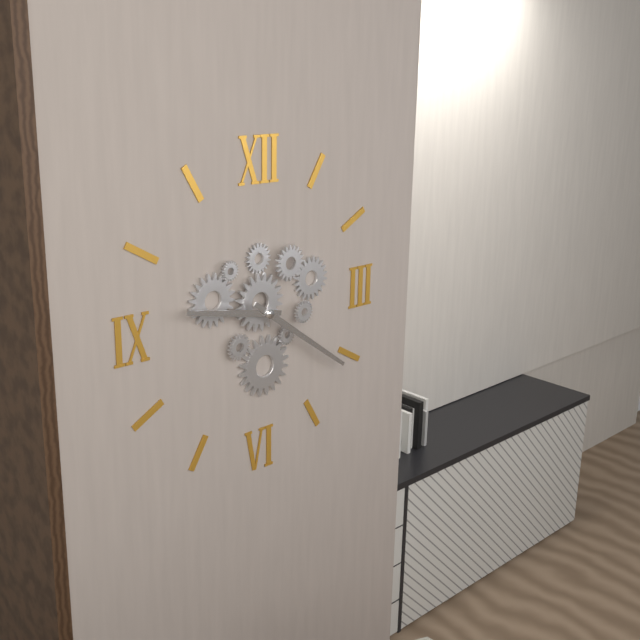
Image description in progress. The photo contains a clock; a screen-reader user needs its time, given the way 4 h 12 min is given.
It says 9 h 21 min
